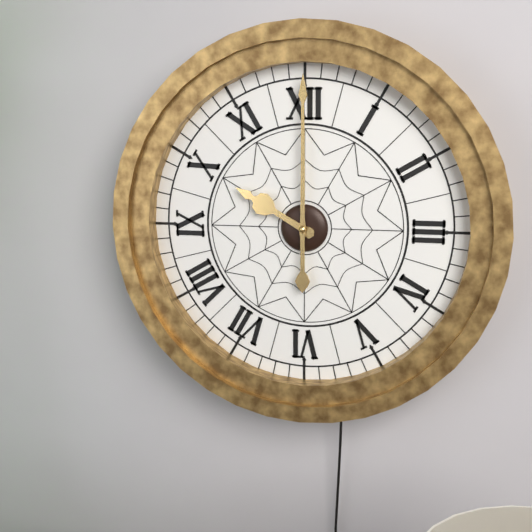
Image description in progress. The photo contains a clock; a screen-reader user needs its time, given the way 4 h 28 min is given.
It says 10 h 00 min
